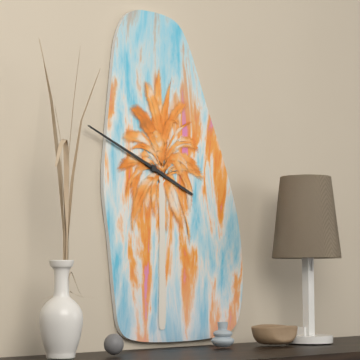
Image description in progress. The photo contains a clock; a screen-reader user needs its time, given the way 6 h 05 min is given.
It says 3 h 49 min
